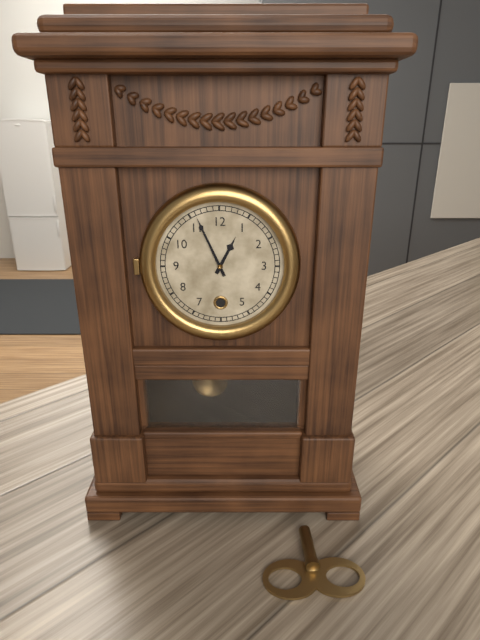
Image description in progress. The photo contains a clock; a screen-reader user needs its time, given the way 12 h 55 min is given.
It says 12 h 56 min
